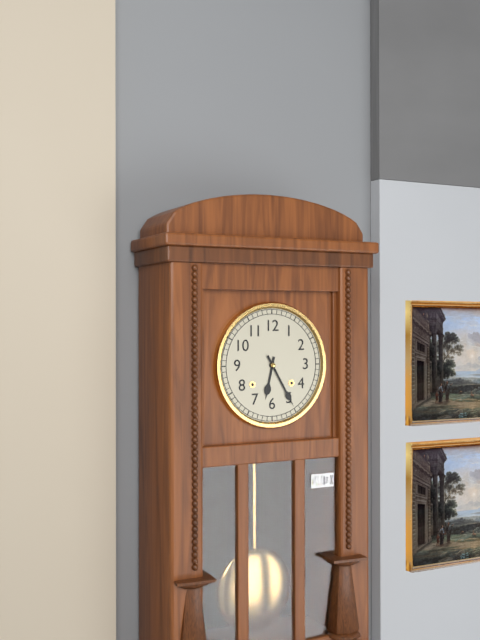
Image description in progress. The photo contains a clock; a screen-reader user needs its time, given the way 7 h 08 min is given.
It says 6 h 25 min
